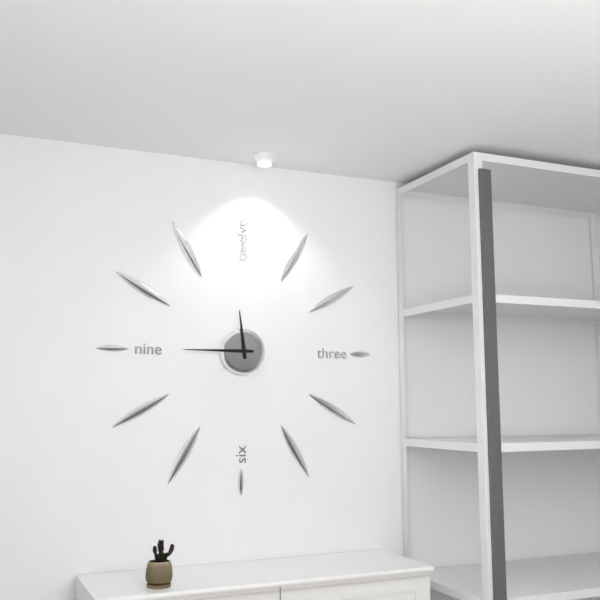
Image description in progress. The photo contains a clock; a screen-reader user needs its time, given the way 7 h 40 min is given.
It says 11 h 45 min
